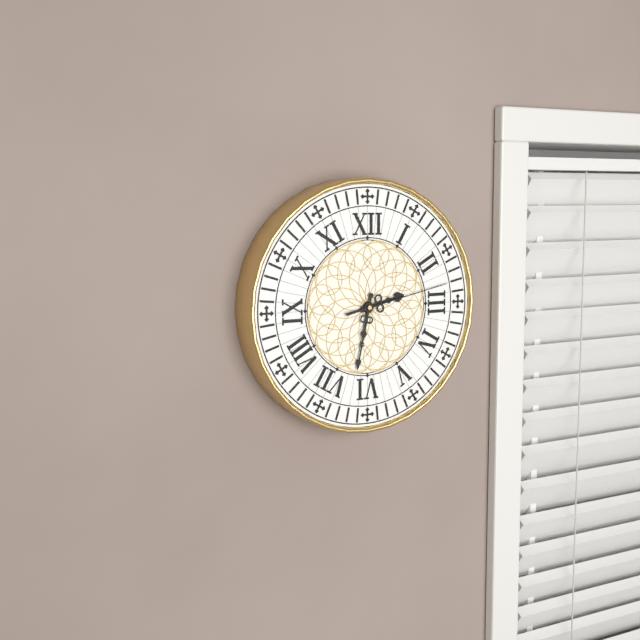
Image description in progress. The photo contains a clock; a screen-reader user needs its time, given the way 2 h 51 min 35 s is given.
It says 2 h 32 min 13 s
